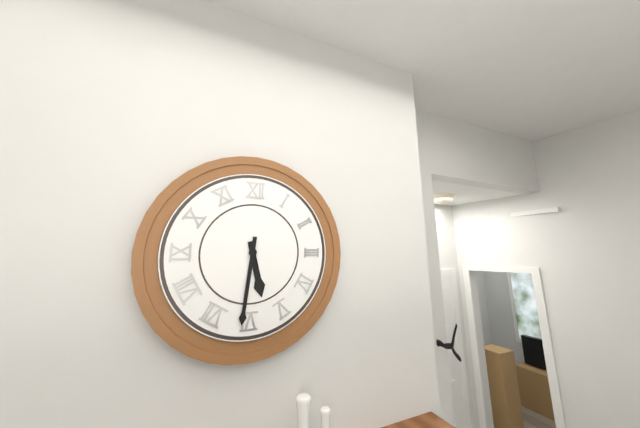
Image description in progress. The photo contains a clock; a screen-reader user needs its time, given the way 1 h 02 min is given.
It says 5 h 31 min
